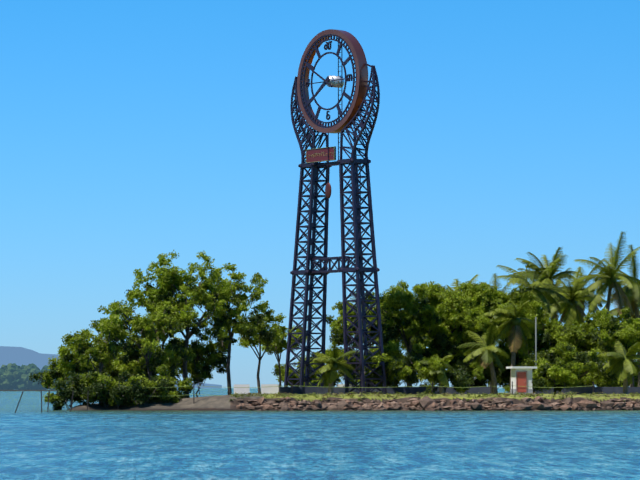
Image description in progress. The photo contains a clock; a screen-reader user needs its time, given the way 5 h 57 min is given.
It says 7 h 50 min
